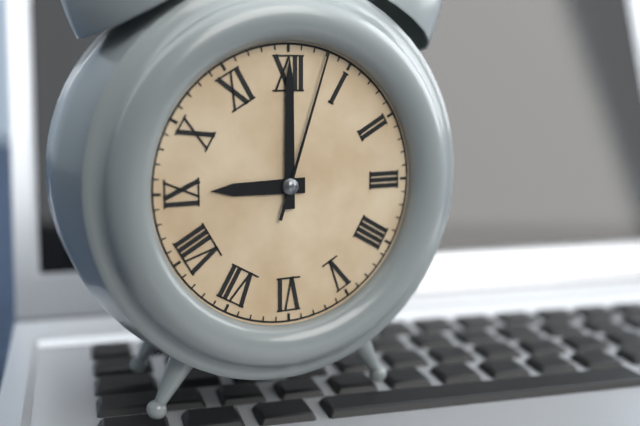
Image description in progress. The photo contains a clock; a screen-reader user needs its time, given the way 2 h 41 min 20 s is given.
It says 9 h 00 min 03 s
